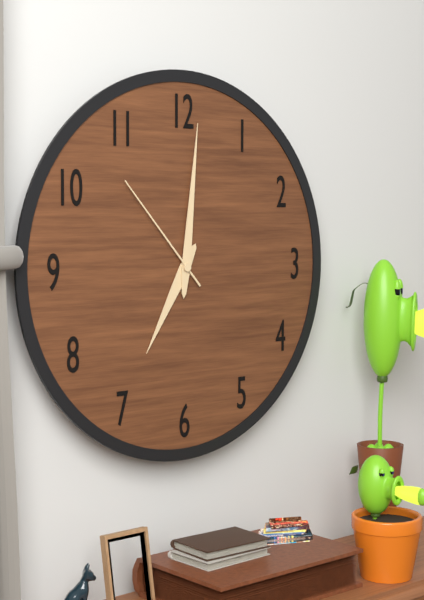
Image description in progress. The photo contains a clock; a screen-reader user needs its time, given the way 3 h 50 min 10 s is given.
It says 7 h 01 min 53 s
